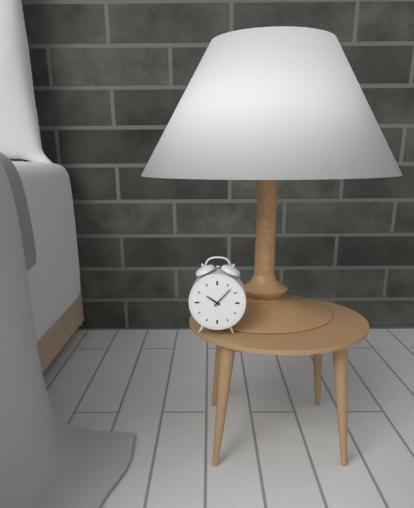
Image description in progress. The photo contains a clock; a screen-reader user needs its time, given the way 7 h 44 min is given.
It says 10 h 07 min
